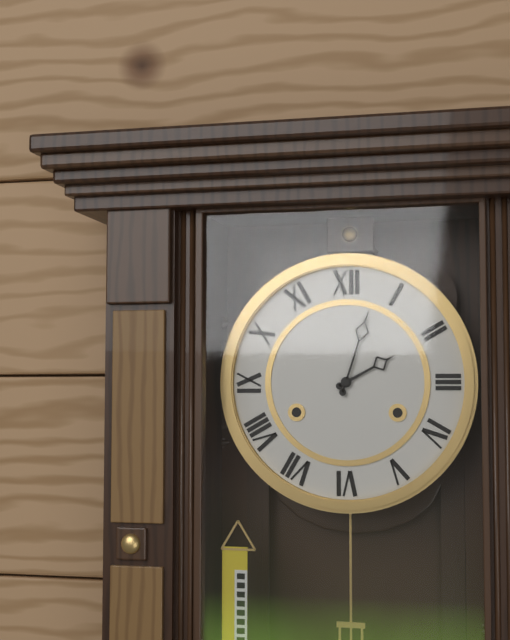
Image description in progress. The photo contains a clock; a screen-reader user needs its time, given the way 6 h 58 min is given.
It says 2 h 03 min
